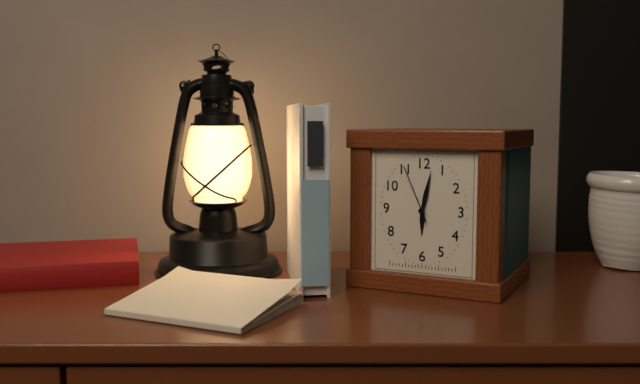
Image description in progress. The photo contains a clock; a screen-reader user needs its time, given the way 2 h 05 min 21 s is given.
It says 6 h 02 min 56 s
